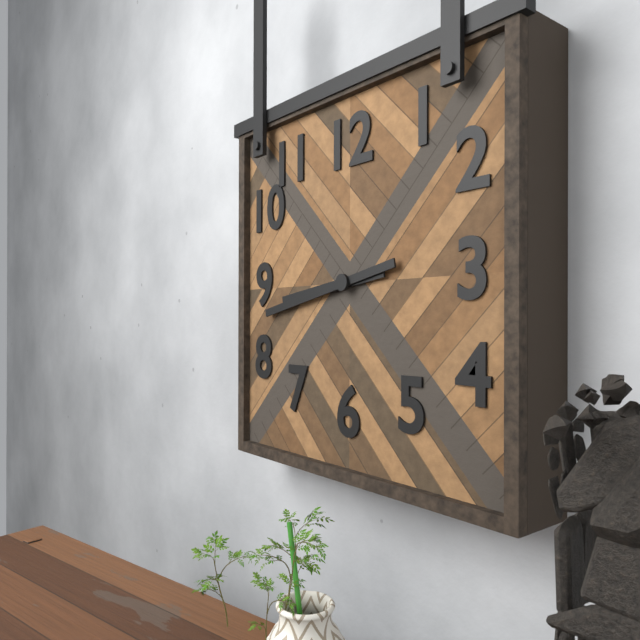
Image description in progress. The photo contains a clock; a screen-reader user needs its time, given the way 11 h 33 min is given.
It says 8 h 43 min
